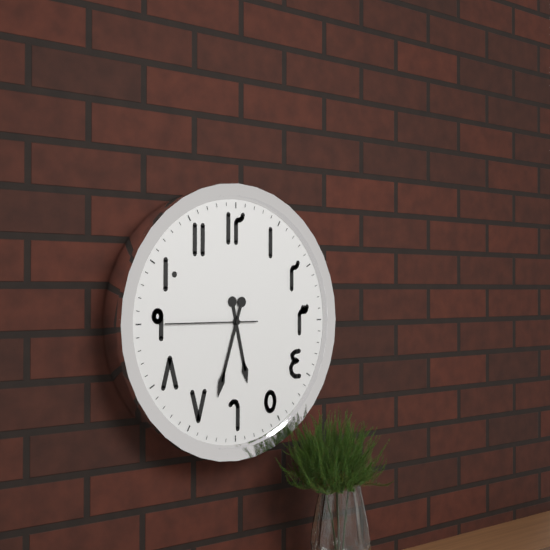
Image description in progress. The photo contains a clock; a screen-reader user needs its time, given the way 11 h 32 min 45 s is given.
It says 5 h 33 min 45 s
